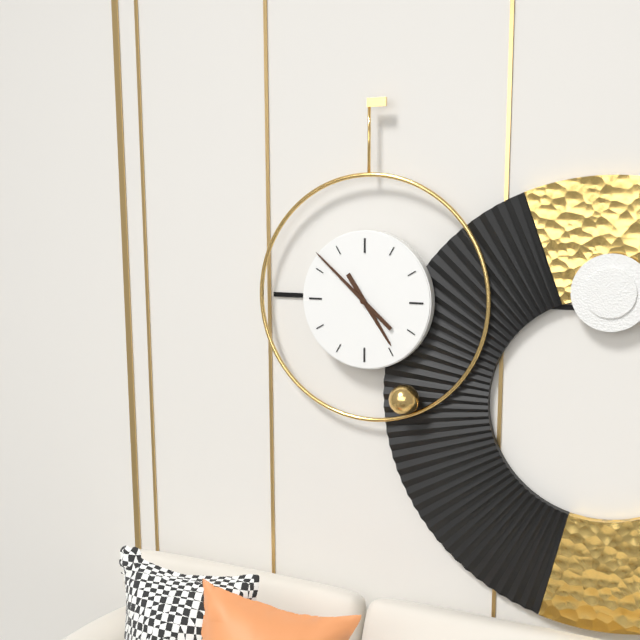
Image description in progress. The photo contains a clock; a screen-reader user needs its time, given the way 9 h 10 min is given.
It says 4 h 52 min
